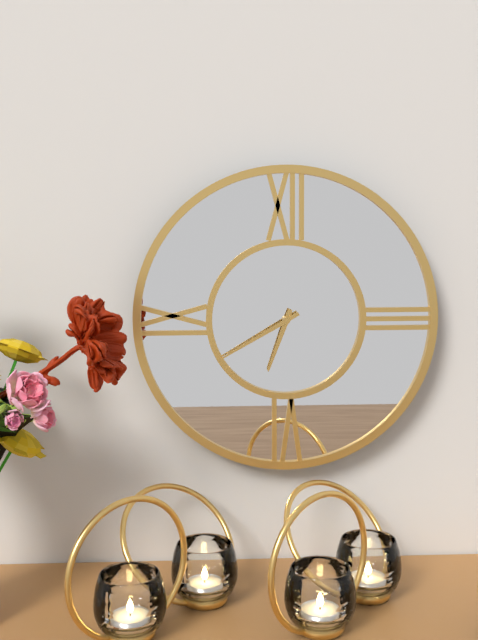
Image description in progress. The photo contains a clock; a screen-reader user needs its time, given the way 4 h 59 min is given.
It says 6 h 40 min
